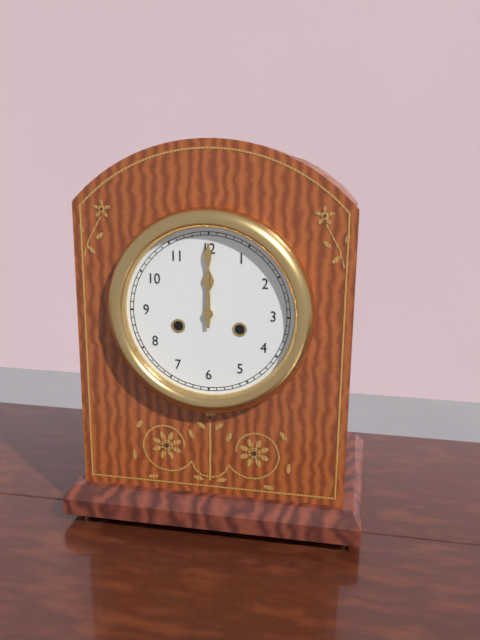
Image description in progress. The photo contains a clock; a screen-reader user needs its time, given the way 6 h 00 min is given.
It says 12 h 00 min
